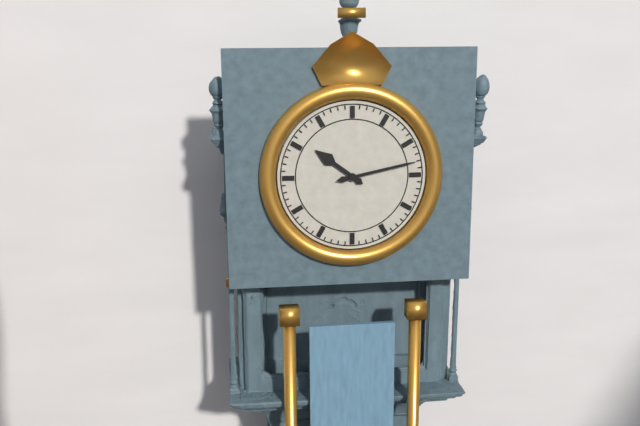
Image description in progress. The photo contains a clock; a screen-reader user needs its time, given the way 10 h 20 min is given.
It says 10 h 13 min
